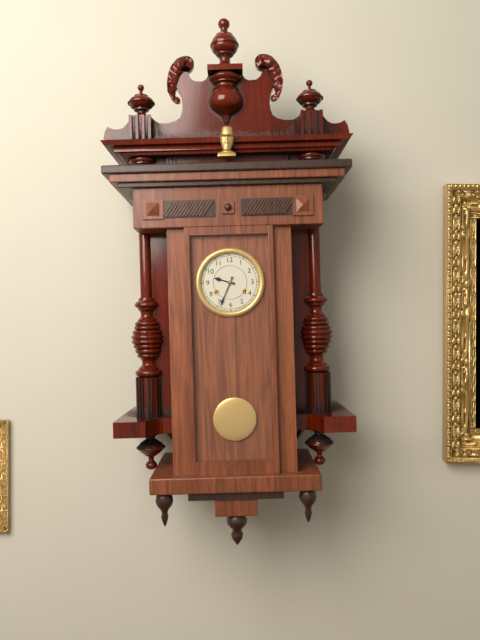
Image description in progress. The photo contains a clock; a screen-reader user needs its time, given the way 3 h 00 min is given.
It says 9 h 34 min
